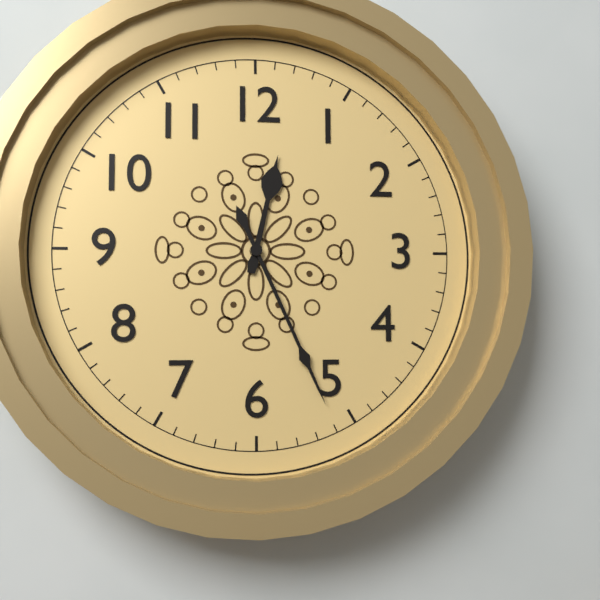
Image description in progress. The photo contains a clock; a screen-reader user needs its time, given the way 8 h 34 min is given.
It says 12 h 26 min
